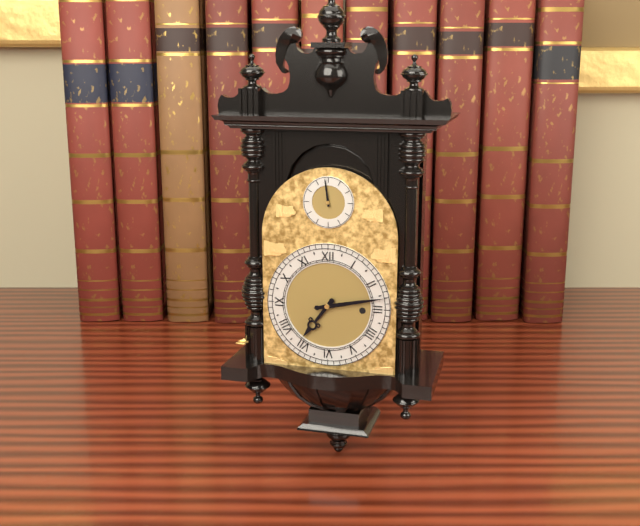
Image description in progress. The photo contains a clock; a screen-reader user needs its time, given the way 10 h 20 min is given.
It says 7 h 13 min
